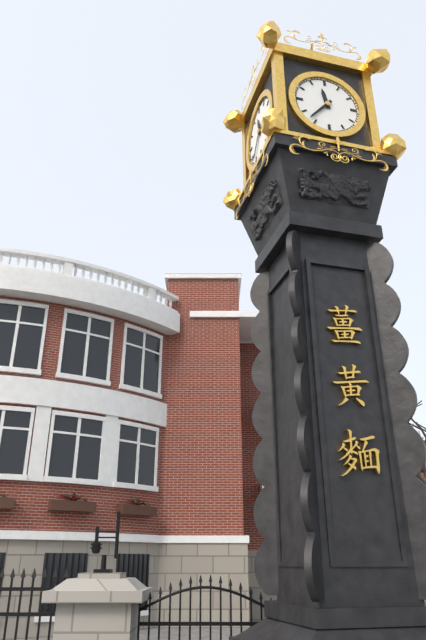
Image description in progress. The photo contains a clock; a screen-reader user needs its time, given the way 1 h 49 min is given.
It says 11 h 37 min
